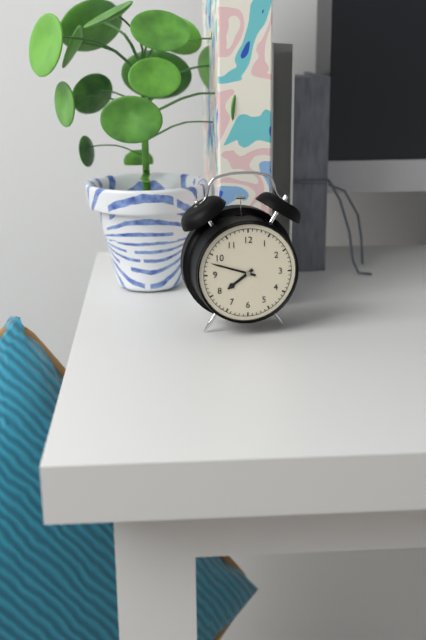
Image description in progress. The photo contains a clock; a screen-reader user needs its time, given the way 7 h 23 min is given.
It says 7 h 48 min
